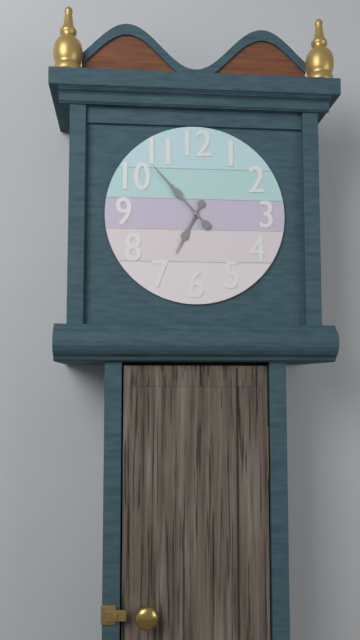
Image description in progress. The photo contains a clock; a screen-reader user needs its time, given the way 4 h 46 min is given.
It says 6 h 53 min
